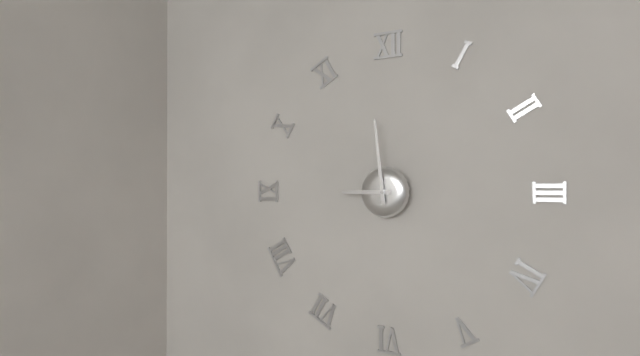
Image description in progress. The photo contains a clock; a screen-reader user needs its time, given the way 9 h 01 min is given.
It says 8 h 59 min
